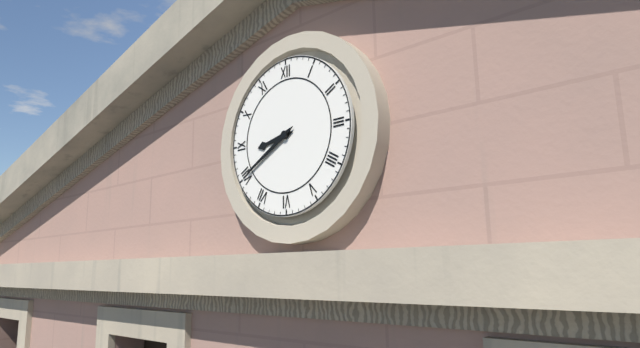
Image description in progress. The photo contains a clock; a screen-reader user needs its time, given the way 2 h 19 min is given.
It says 8 h 40 min
